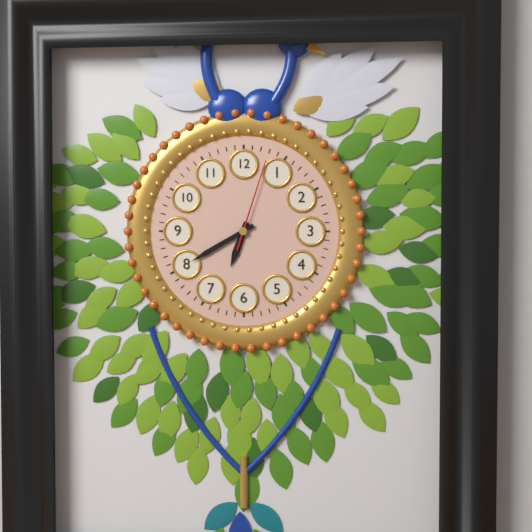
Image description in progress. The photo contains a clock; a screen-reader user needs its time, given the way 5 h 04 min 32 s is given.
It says 6 h 40 min 03 s
